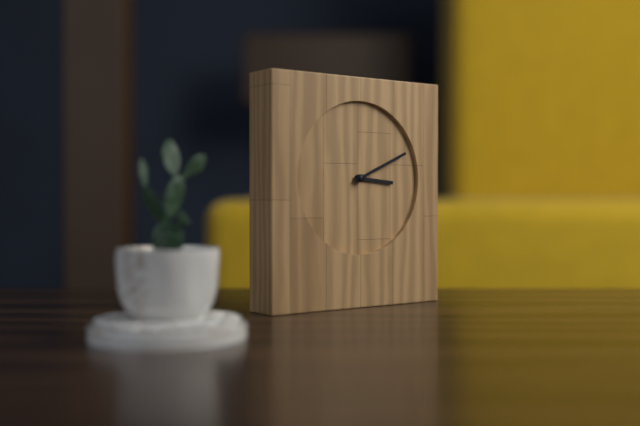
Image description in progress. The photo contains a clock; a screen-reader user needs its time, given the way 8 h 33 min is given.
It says 3 h 11 min
